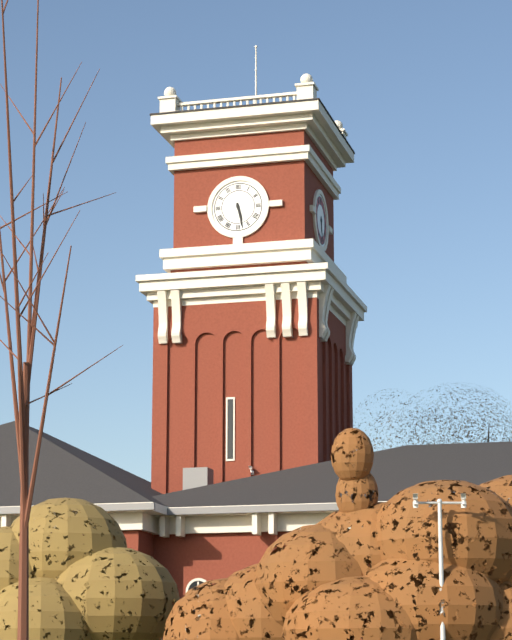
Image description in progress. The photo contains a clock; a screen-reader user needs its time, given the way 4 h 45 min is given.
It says 5 h 28 min
